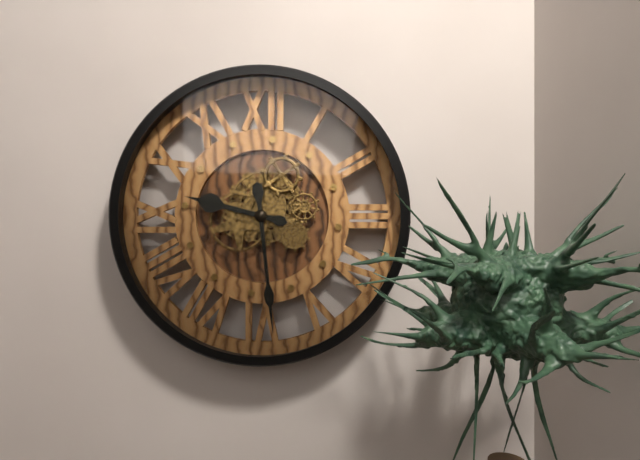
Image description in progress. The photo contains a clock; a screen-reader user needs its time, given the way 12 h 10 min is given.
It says 9 h 29 min
